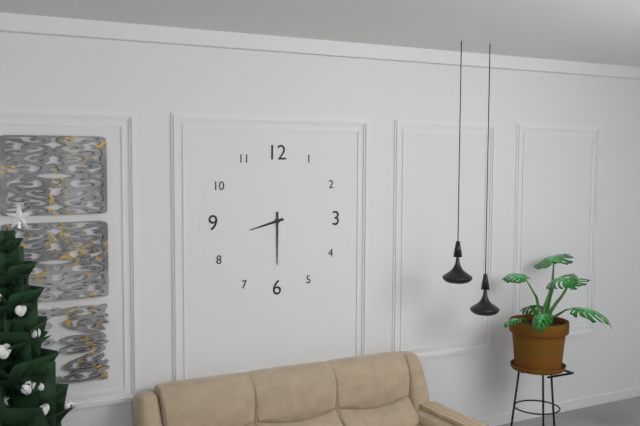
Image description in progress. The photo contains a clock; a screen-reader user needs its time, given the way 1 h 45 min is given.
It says 8 h 30 min
